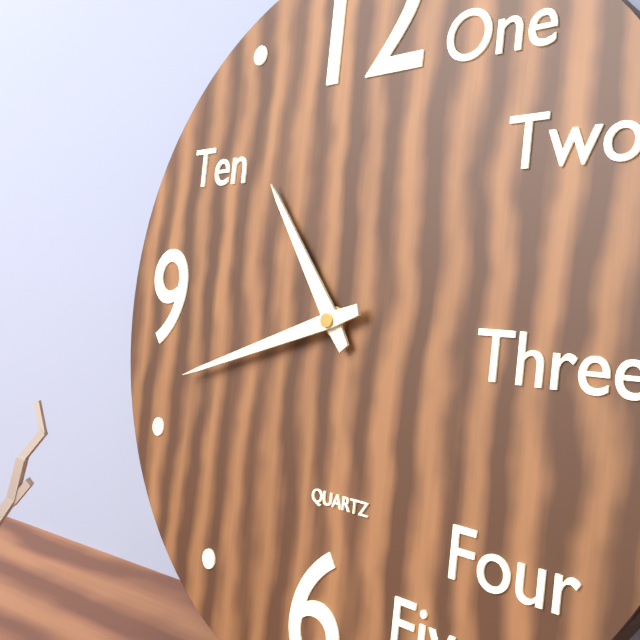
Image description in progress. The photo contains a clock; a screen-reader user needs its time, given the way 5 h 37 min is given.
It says 10 h 42 min
